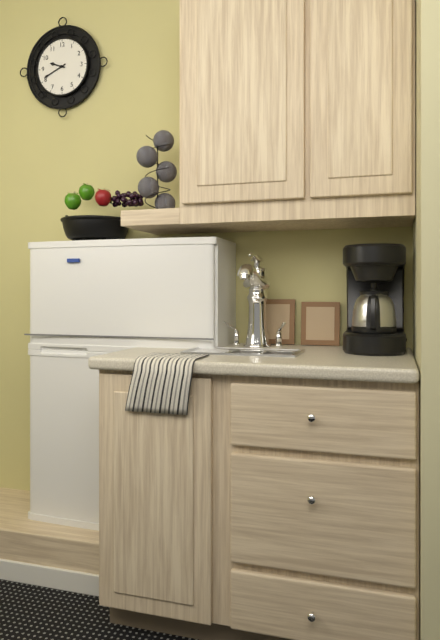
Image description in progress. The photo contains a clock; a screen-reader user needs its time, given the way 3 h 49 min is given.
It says 9 h 41 min
